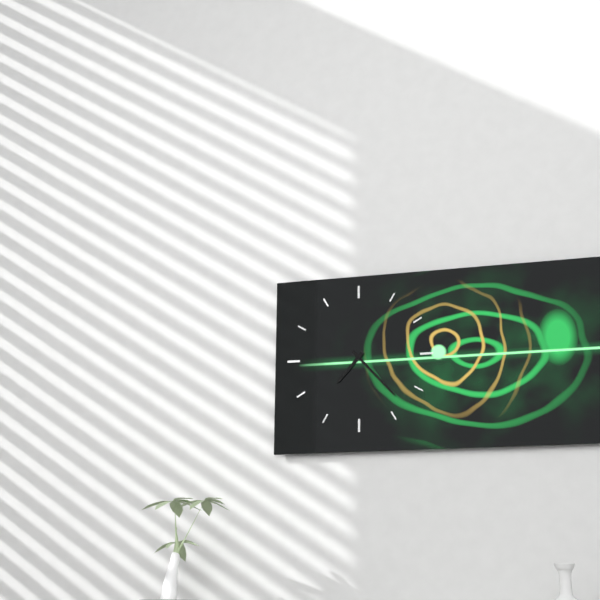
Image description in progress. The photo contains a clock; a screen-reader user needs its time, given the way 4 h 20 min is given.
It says 7 h 23 min
